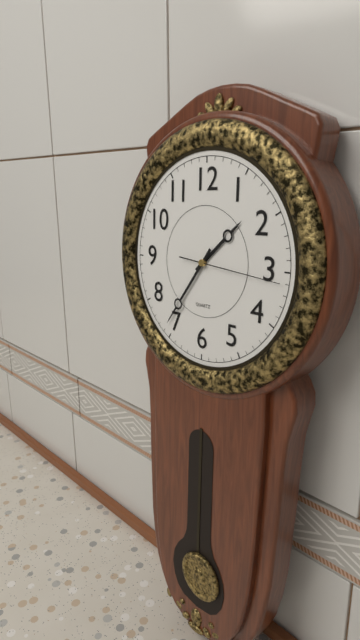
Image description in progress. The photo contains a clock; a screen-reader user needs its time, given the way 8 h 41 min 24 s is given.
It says 1 h 36 min 16 s
